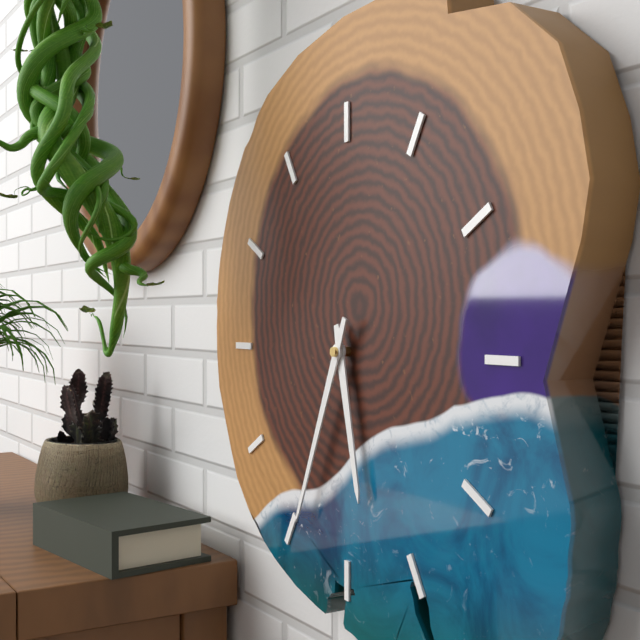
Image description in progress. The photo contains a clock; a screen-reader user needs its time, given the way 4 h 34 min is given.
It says 5 h 34 min
